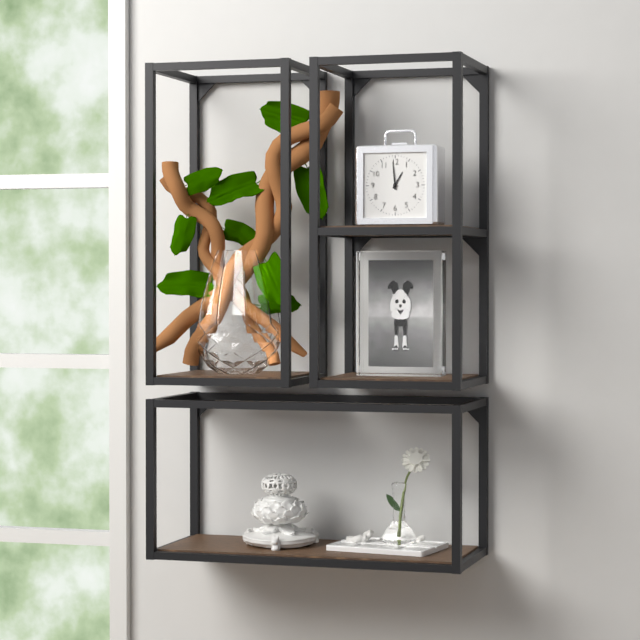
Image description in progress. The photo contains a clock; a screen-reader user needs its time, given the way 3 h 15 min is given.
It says 12 h 59 min
